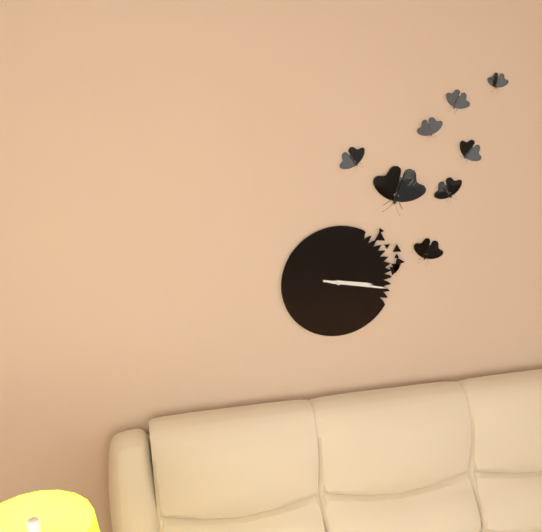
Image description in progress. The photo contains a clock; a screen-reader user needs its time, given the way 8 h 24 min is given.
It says 3 h 17 min
